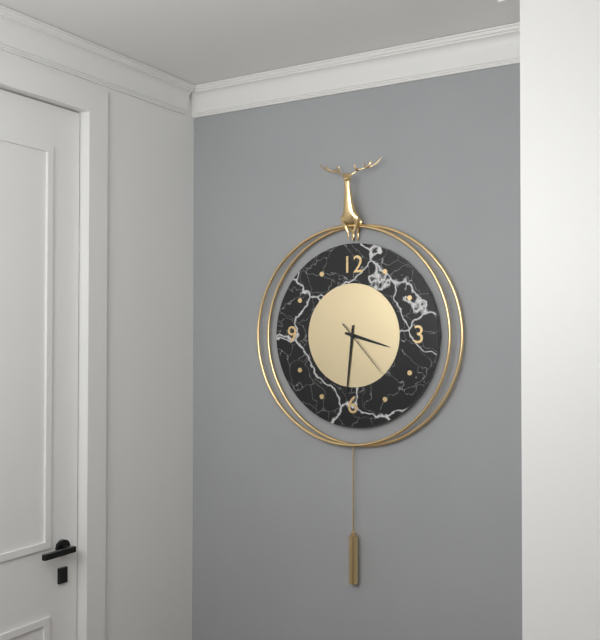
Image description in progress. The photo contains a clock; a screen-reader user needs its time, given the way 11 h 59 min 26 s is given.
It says 3 h 31 min 23 s
